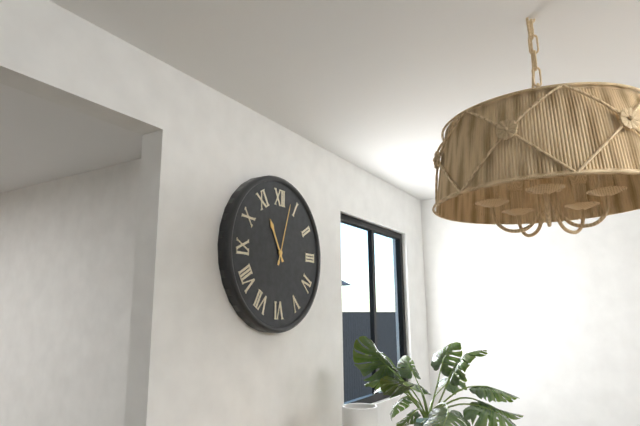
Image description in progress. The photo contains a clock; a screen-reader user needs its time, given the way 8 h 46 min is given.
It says 11 h 03 min
